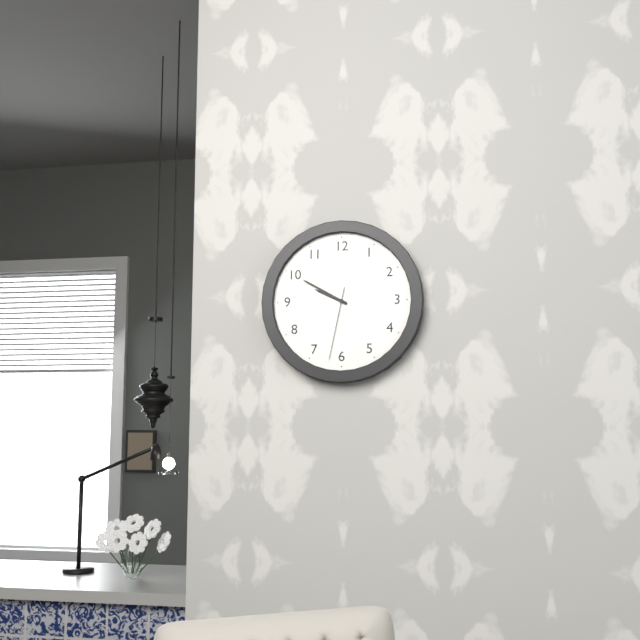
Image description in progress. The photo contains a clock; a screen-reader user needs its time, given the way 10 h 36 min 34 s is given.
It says 9 h 50 min 32 s
